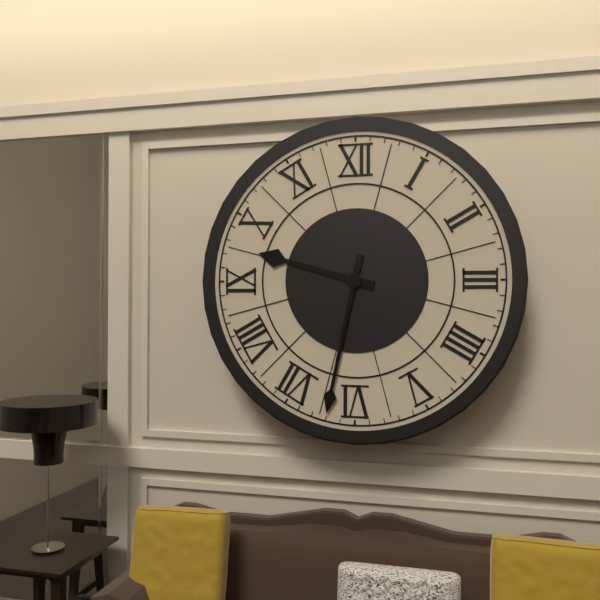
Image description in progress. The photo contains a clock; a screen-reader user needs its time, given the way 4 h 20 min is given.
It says 9 h 32 min
